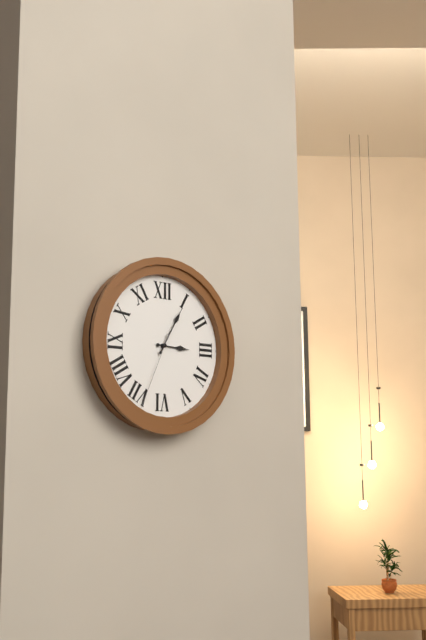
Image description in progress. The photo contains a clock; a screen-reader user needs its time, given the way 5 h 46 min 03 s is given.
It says 3 h 05 min 34 s
